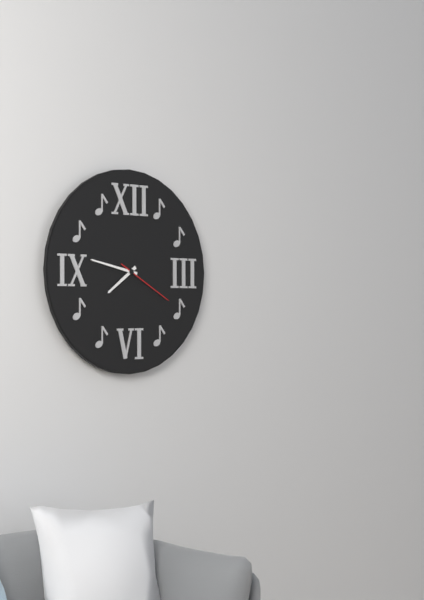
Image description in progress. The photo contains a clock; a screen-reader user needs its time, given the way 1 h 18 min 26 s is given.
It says 7 h 47 min 20 s
